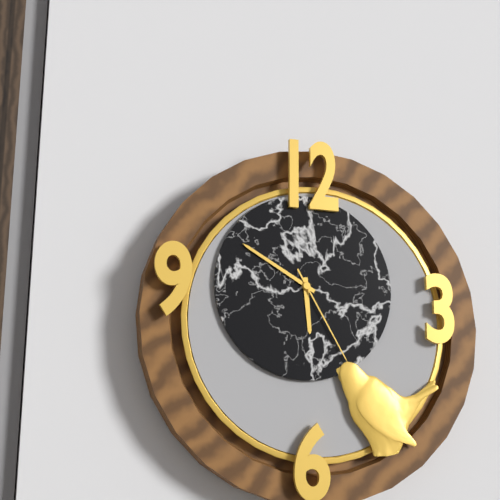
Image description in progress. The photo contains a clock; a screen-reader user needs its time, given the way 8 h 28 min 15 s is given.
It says 5 h 50 min 25 s
